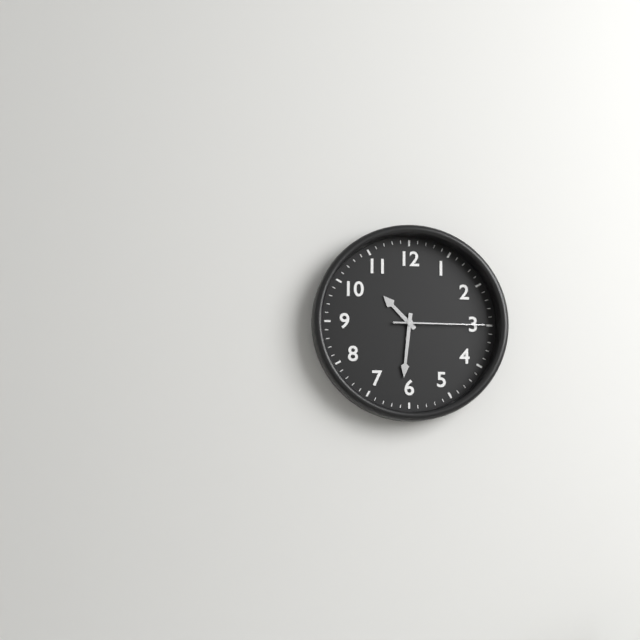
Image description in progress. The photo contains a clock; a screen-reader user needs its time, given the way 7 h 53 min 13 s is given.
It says 10 h 31 min 15 s
